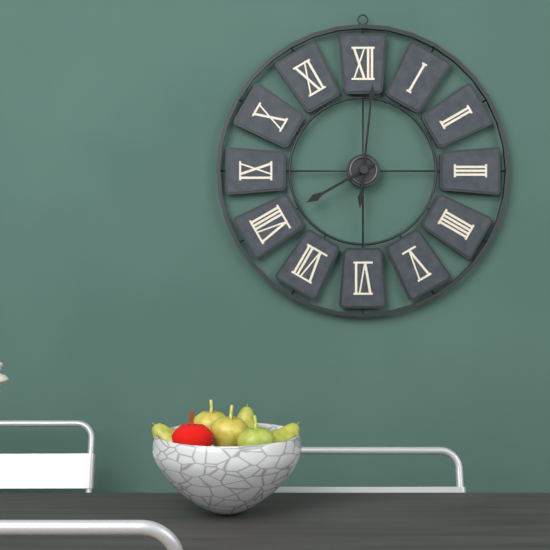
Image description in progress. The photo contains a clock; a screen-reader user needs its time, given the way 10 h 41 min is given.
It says 8 h 01 min
